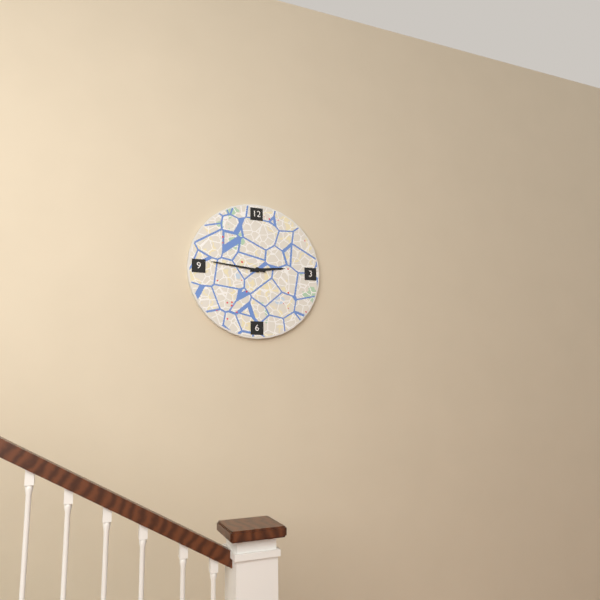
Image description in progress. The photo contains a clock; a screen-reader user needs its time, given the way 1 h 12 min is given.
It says 2 h 46 min
